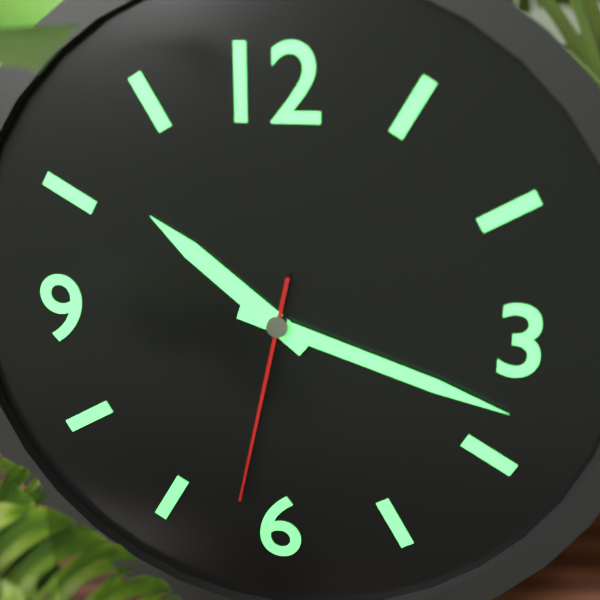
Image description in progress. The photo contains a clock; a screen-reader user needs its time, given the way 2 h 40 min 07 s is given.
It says 10 h 18 min 32 s
